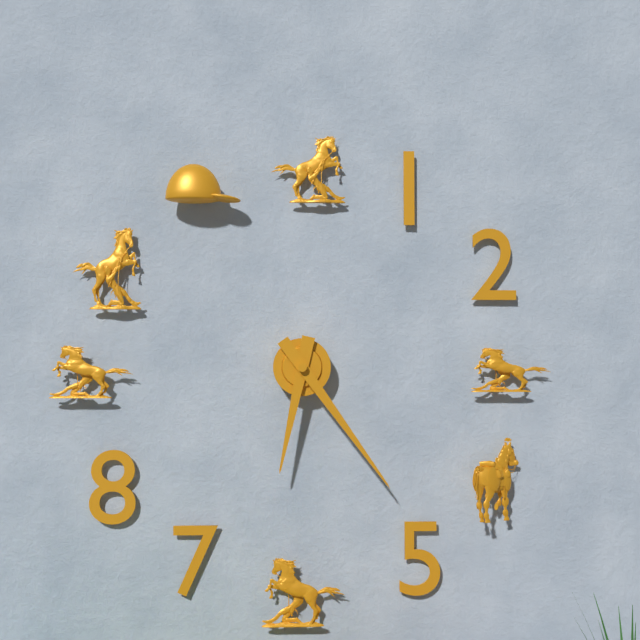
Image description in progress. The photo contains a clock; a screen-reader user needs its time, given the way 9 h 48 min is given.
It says 6 h 24 min
